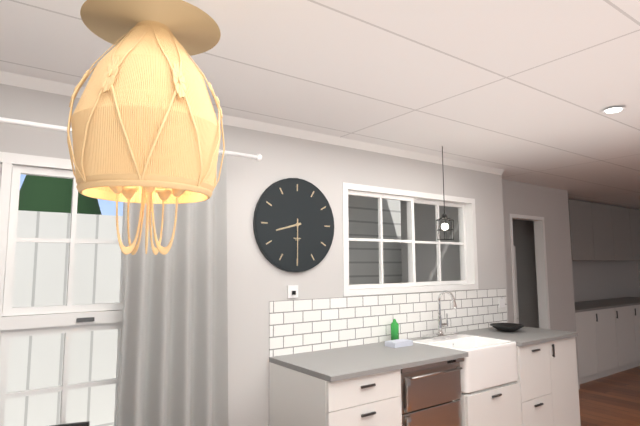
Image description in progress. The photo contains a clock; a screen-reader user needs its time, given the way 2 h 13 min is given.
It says 8 h 30 min
